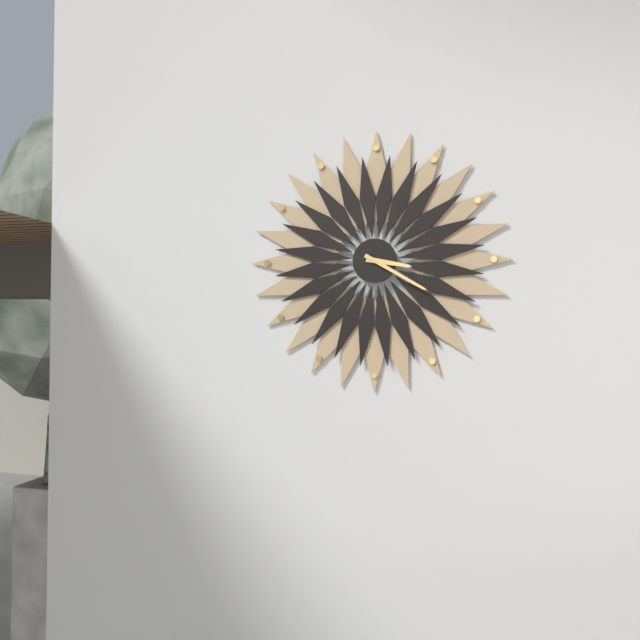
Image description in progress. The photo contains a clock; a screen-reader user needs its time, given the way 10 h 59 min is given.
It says 3 h 20 min
